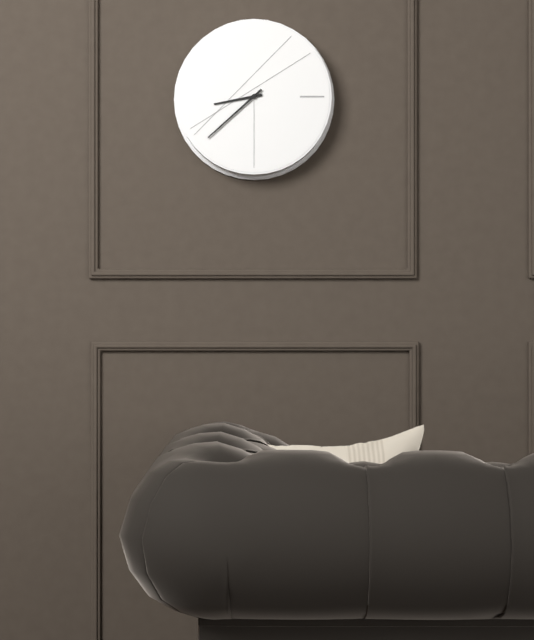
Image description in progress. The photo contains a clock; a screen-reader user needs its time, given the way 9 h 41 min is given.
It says 8 h 38 min
